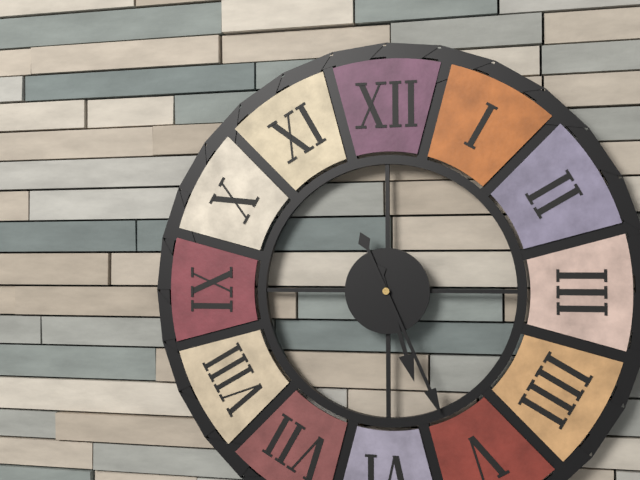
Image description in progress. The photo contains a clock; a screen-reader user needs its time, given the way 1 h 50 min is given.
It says 5 h 26 min
